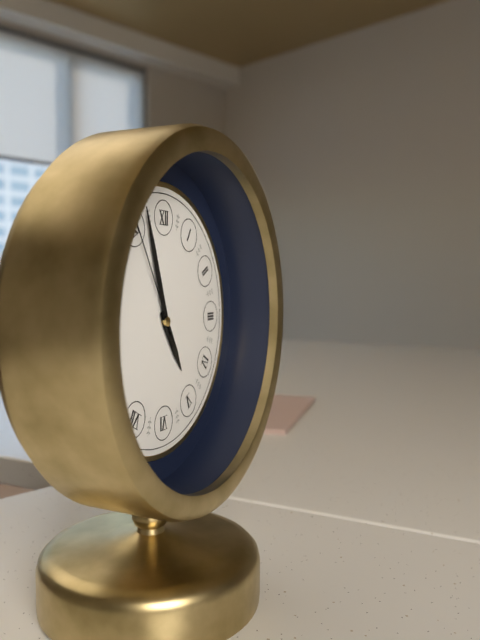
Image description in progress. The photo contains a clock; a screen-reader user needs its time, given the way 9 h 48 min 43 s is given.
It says 4 h 57 min 55 s
